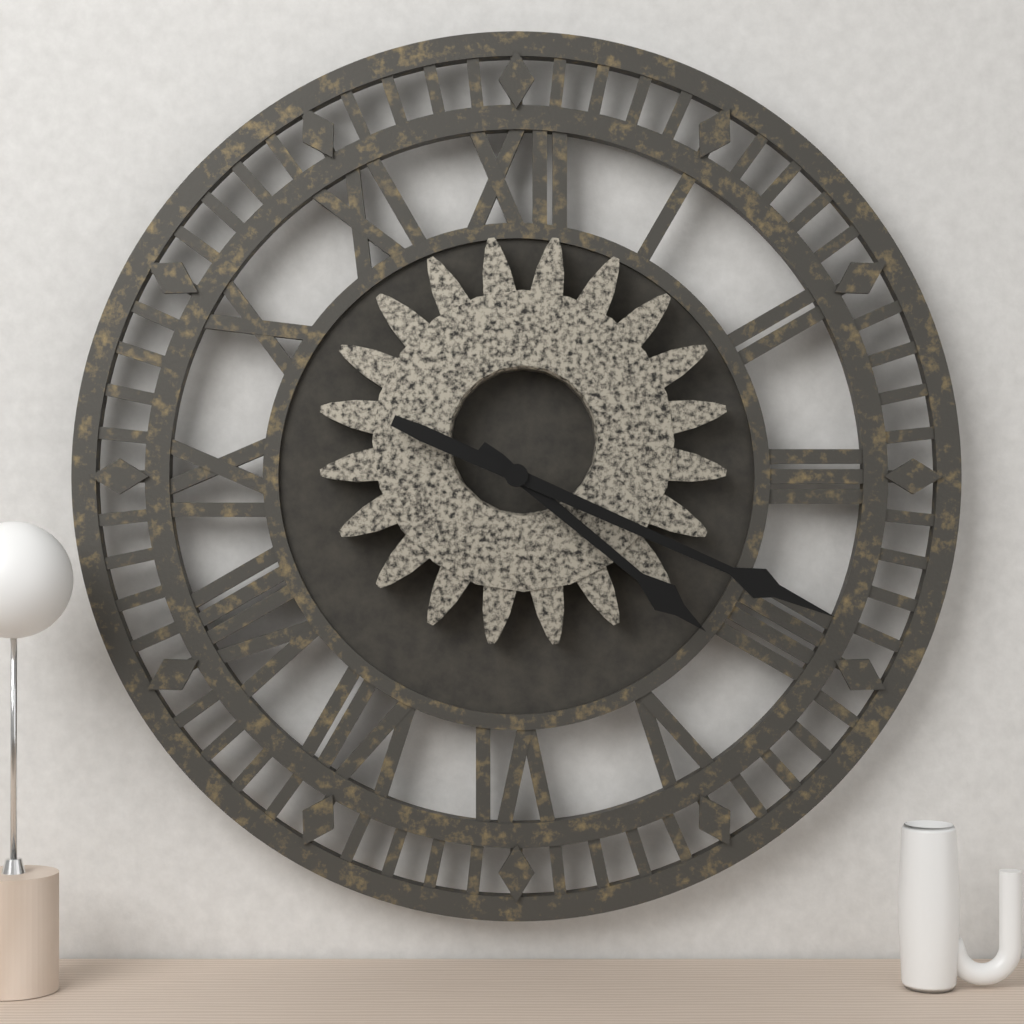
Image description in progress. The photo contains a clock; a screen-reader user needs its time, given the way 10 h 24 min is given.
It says 4 h 19 min
